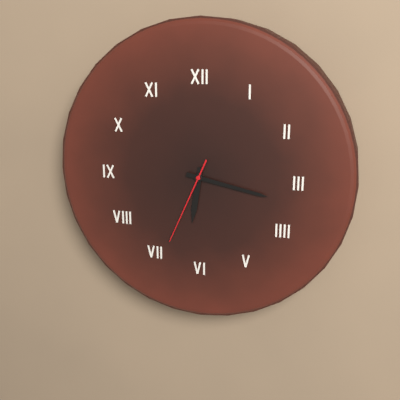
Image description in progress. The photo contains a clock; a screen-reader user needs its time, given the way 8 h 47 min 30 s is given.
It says 6 h 17 min 34 s
